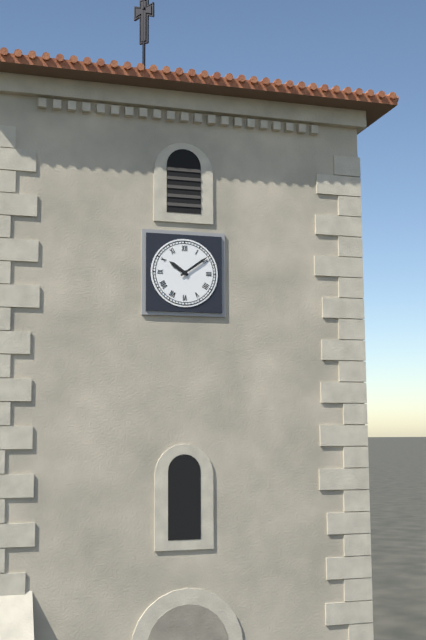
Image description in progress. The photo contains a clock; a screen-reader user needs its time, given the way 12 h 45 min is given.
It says 10 h 09 min
